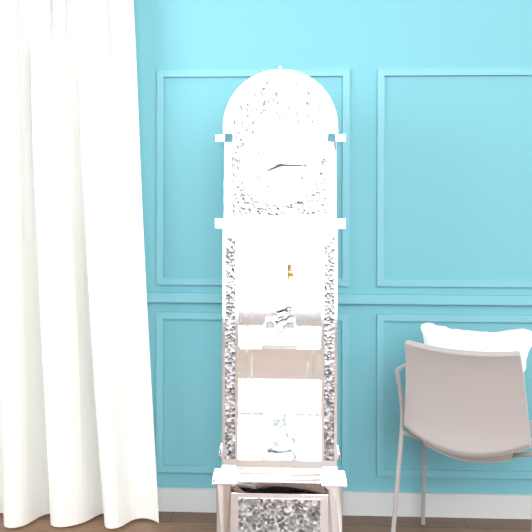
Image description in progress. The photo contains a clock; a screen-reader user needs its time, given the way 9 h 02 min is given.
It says 8 h 15 min
